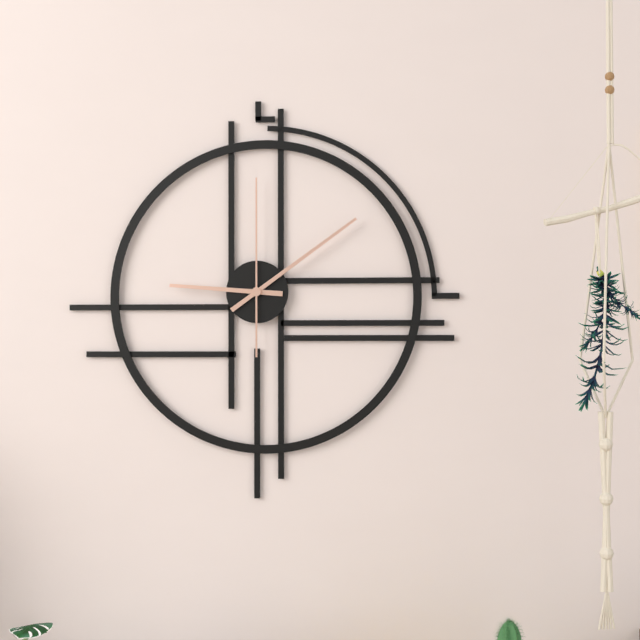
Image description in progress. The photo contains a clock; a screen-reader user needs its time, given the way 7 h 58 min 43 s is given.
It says 9 h 09 min 00 s
